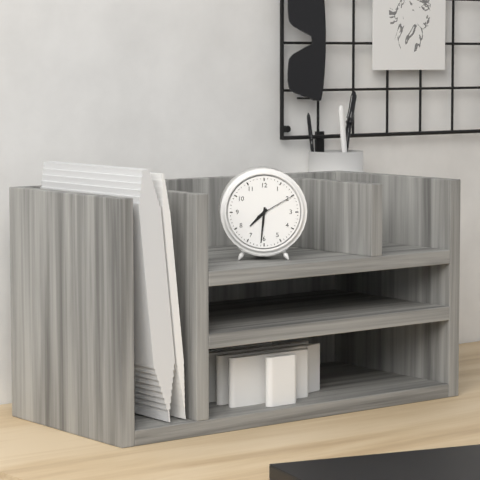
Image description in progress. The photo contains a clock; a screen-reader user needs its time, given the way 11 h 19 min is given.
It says 7 h 31 min
